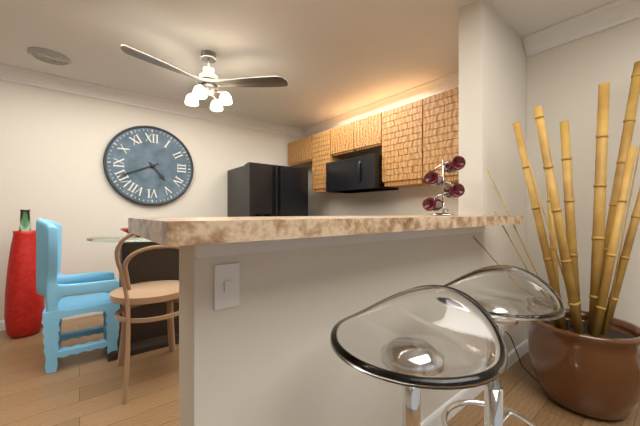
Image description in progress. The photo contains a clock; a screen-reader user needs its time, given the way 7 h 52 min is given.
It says 4 h 41 min
